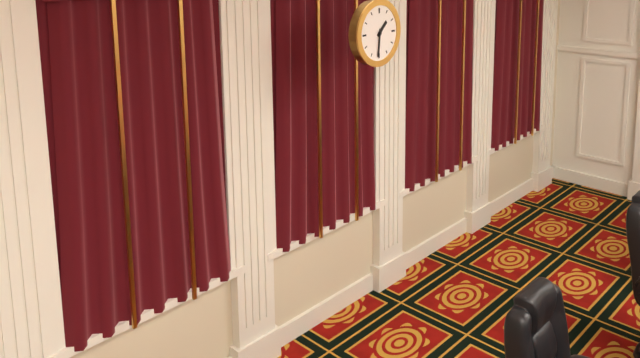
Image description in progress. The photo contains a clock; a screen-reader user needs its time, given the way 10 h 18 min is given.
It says 1 h 31 min
